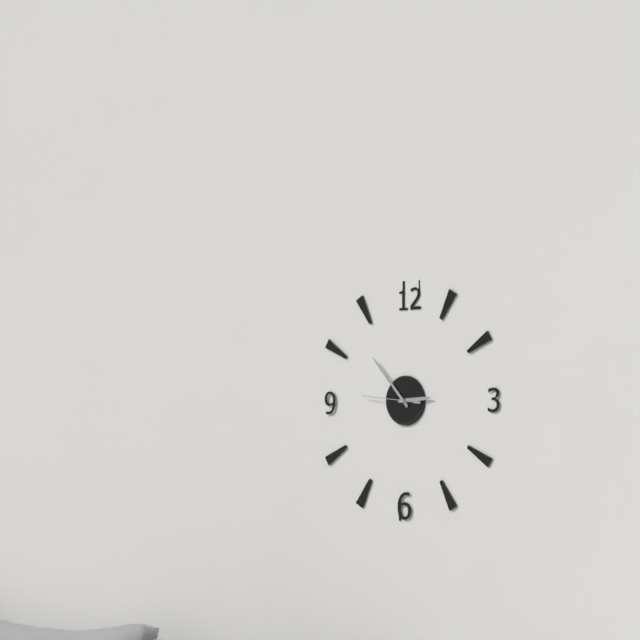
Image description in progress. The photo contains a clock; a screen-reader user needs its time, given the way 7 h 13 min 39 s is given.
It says 2 h 53 min 46 s
